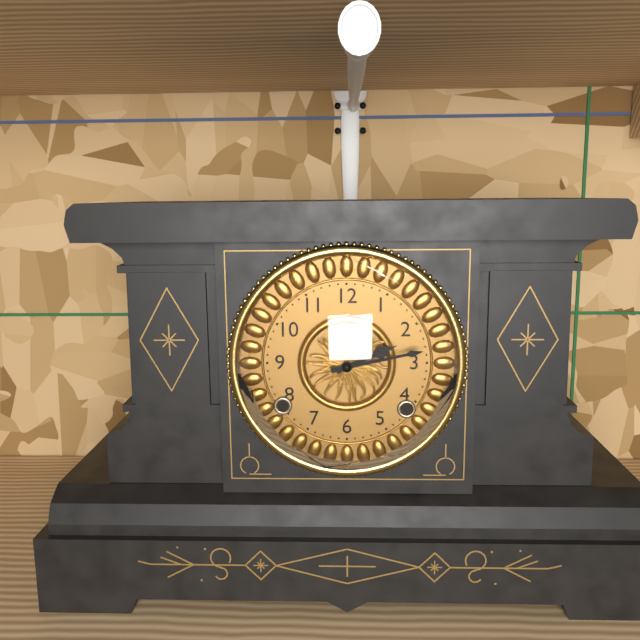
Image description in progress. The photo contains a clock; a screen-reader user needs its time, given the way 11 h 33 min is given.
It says 2 h 13 min
